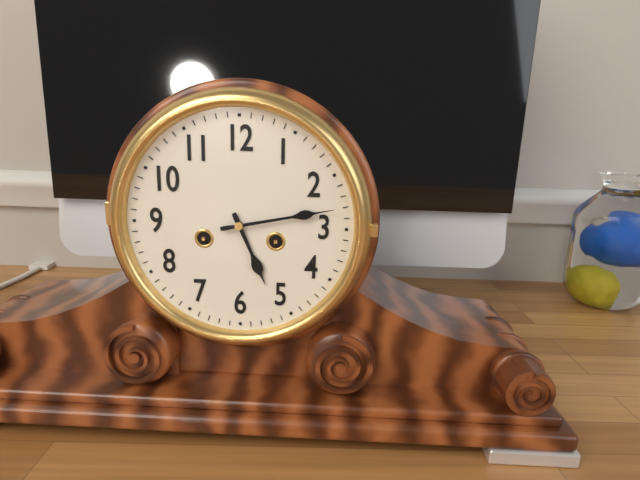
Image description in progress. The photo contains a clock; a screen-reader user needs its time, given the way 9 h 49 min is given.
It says 5 h 13 min
